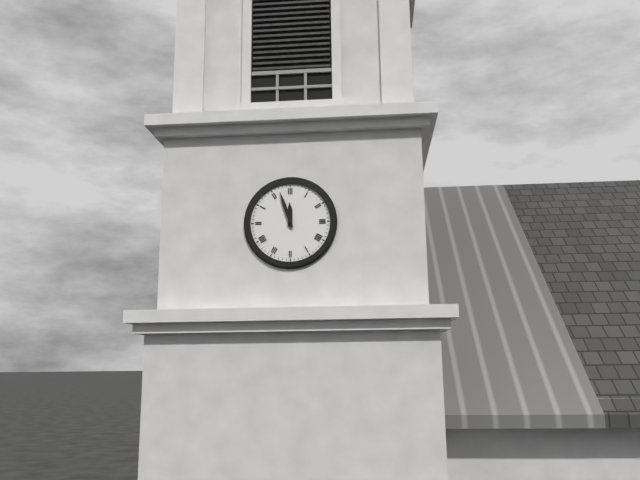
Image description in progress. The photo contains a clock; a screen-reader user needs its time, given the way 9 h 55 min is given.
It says 11 h 57 min
